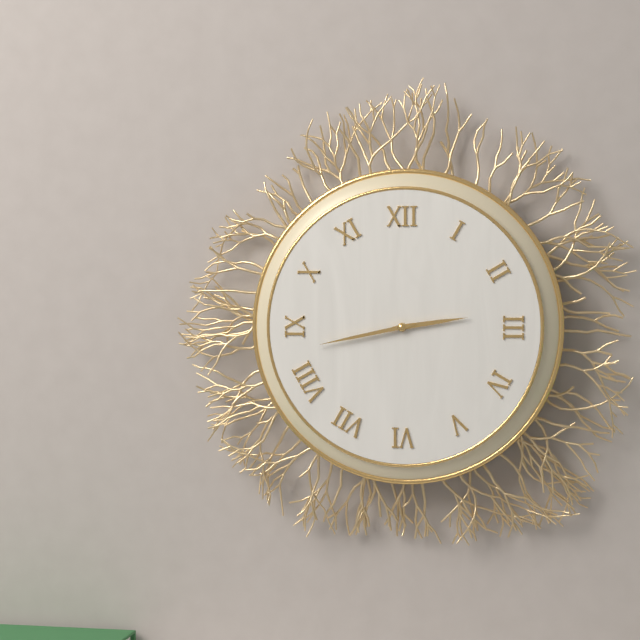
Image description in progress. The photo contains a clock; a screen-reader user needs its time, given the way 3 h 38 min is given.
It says 2 h 43 min
